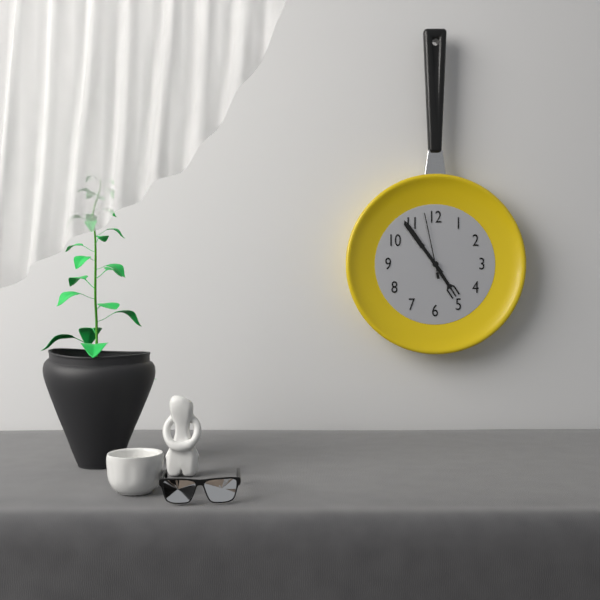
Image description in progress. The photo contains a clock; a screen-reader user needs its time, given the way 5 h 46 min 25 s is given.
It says 4 h 54 min 58 s
